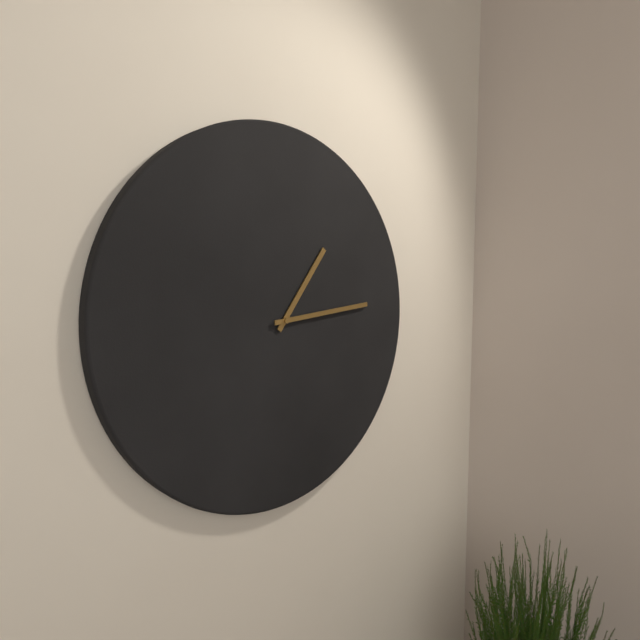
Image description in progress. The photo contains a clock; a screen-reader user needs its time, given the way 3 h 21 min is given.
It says 1 h 14 min
